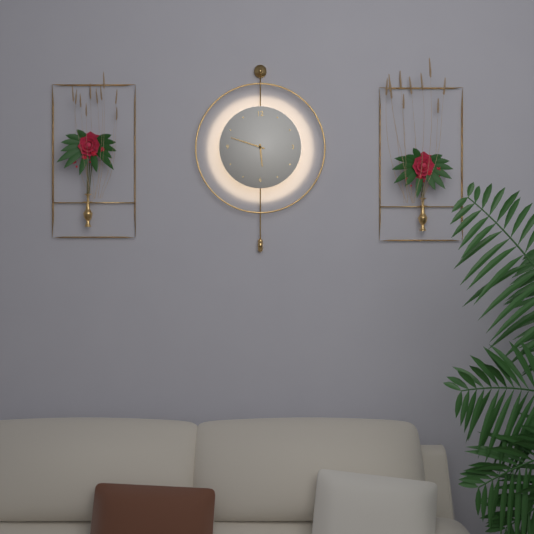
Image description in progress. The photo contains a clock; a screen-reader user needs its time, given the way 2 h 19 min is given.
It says 5 h 48 min
